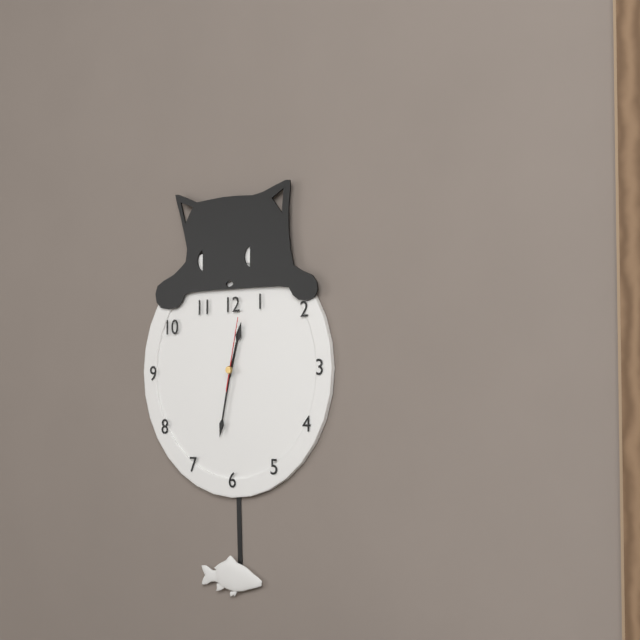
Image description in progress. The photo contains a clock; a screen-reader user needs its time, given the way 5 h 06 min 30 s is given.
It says 12 h 32 min 02 s
